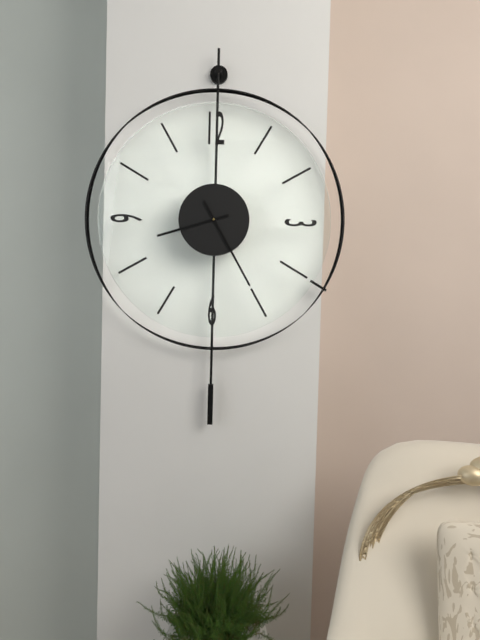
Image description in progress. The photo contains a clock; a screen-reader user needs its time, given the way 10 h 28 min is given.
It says 8 h 25 min
